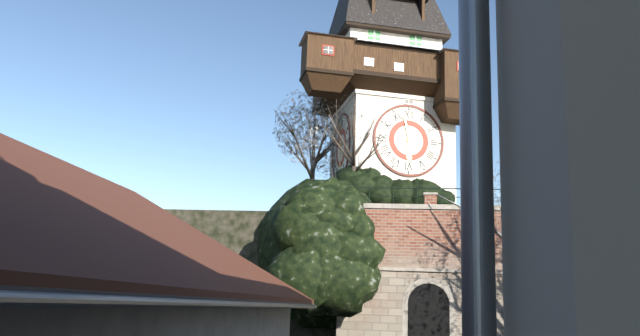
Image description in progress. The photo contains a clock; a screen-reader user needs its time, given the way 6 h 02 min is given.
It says 5 h 58 min
